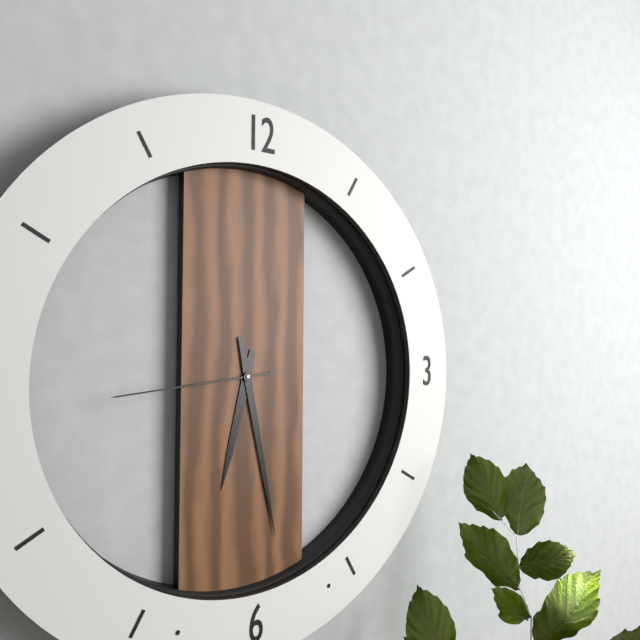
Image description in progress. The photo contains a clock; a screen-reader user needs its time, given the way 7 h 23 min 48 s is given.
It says 6 h 28 min 44 s
